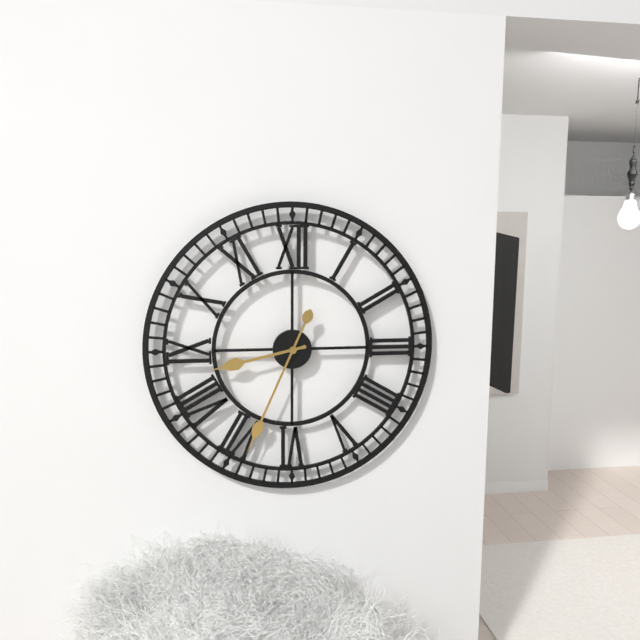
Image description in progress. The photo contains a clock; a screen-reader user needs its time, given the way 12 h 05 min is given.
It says 8 h 34 min
